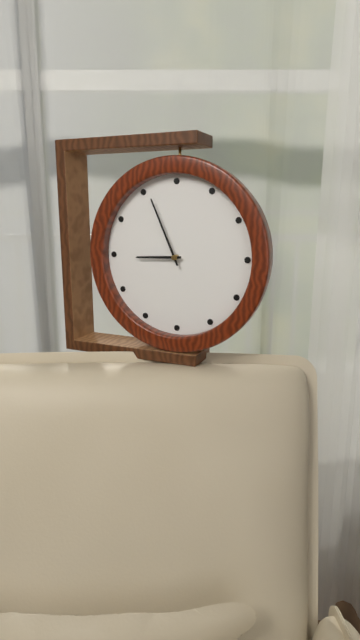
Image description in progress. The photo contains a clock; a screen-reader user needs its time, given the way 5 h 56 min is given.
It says 8 h 56 min
